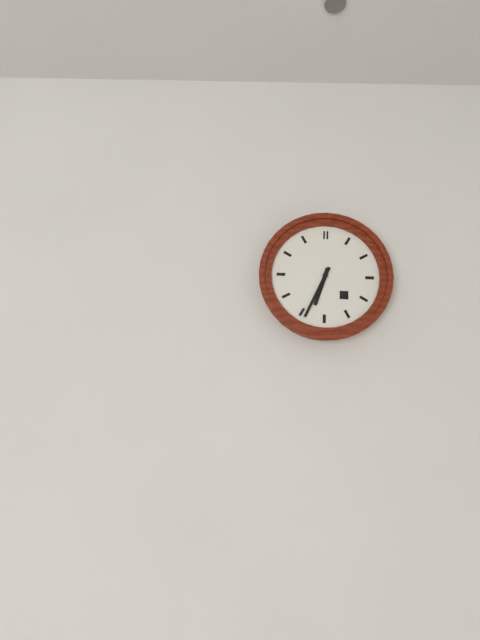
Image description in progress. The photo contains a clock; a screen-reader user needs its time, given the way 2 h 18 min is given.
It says 6 h 34 min
